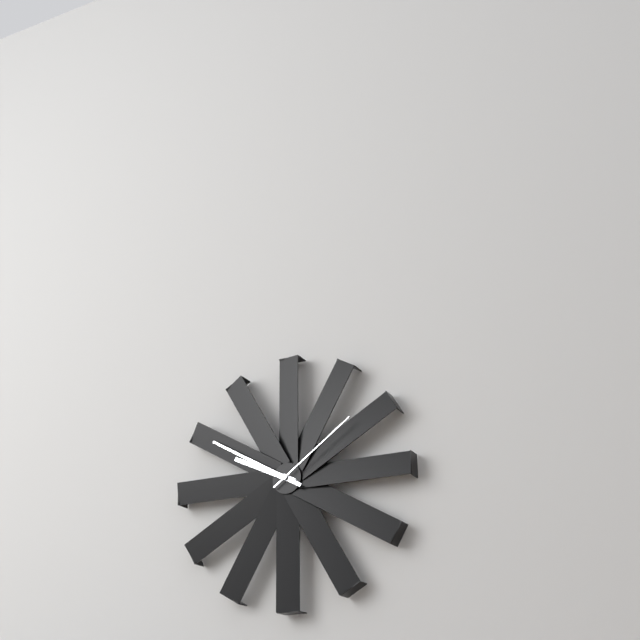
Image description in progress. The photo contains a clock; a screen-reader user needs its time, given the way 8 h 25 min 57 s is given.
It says 9 h 50 min 09 s
